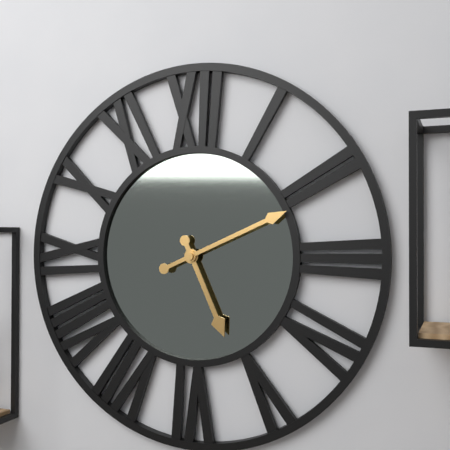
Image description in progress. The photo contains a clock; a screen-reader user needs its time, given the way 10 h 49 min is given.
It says 5 h 11 min
